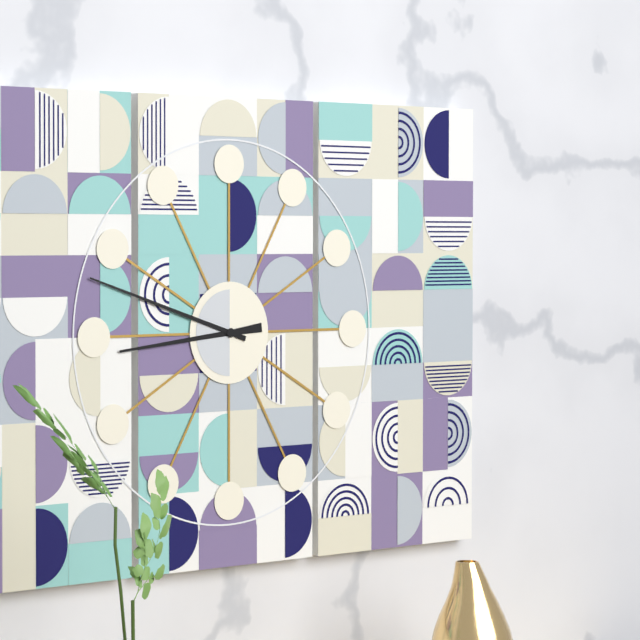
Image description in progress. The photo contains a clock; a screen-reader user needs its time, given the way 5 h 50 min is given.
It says 8 h 48 min
